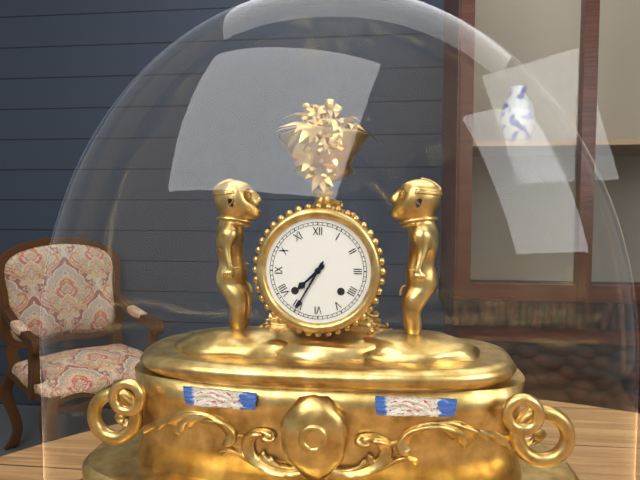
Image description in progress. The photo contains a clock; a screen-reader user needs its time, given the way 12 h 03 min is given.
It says 7 h 35 min
